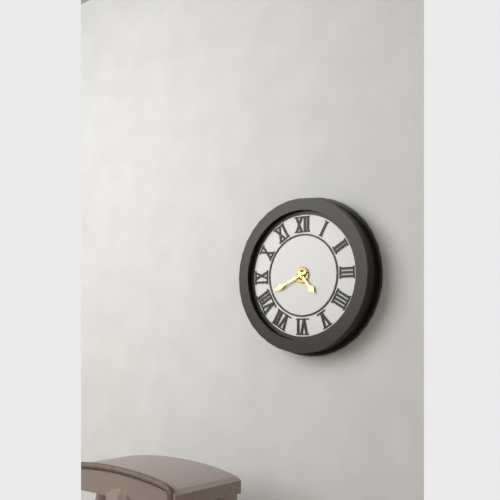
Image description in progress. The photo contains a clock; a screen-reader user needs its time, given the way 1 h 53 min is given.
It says 4 h 41 min
